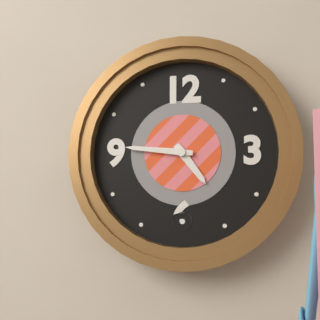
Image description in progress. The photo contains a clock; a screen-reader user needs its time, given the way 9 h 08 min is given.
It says 4 h 46 min
